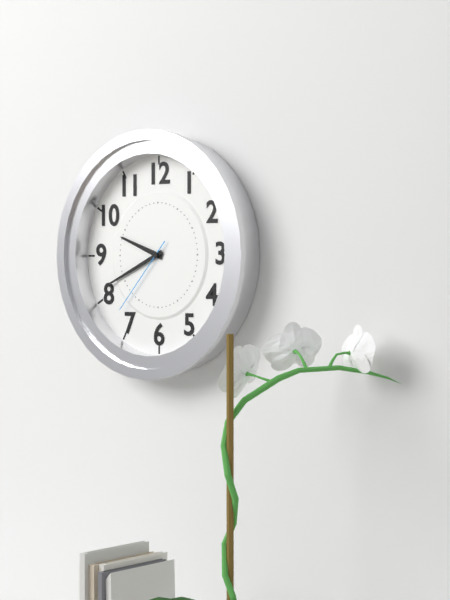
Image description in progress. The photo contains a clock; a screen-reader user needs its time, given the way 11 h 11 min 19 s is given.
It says 9 h 41 min 37 s
